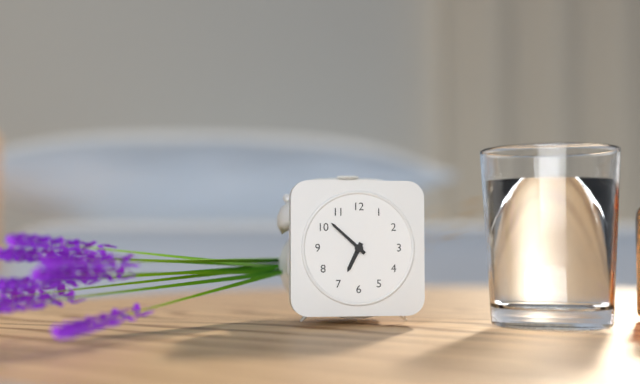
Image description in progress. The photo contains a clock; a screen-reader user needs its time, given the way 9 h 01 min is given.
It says 6 h 52 min
